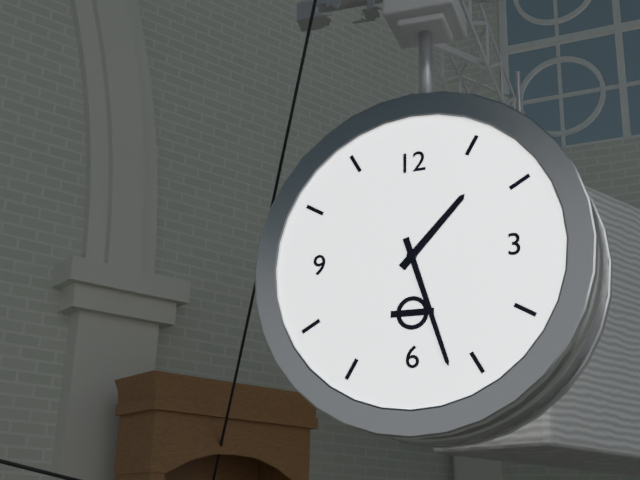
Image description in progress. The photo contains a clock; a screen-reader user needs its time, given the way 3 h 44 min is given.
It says 1 h 27 min
